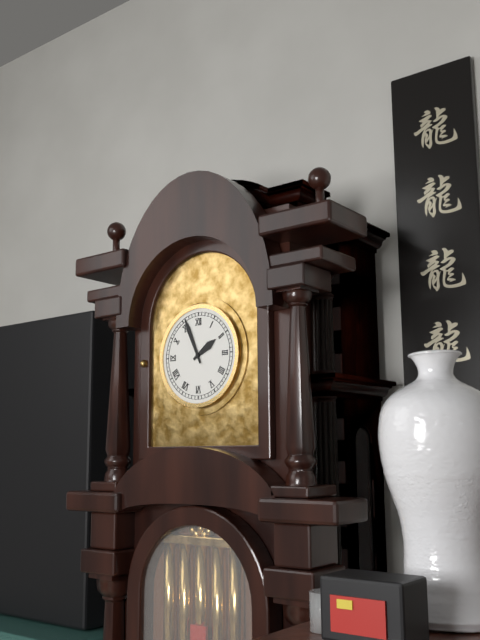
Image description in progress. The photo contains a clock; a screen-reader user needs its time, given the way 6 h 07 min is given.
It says 1 h 56 min
